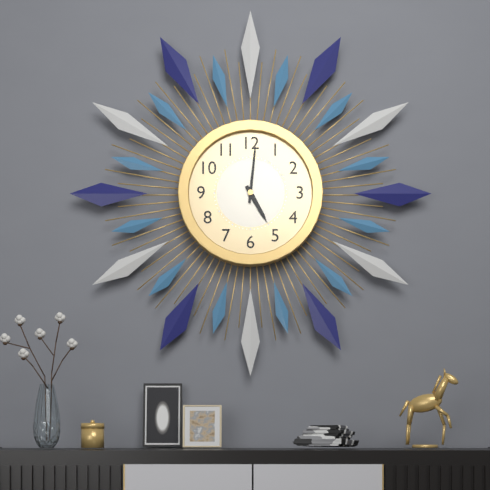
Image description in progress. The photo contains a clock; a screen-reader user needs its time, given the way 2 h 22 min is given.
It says 5 h 01 min
